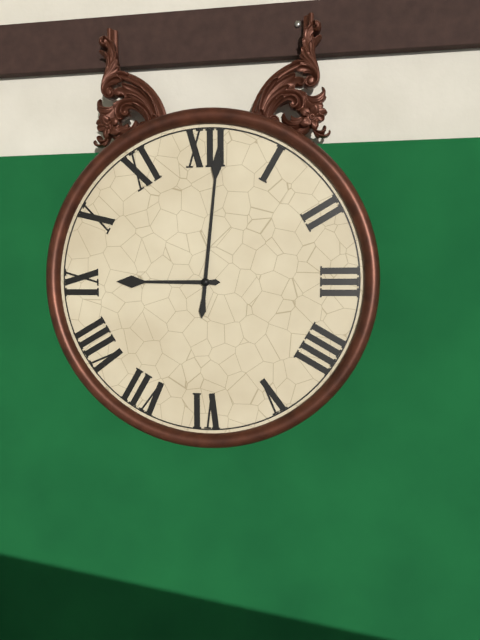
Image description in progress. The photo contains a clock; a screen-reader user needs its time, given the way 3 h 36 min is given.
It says 9 h 01 min
